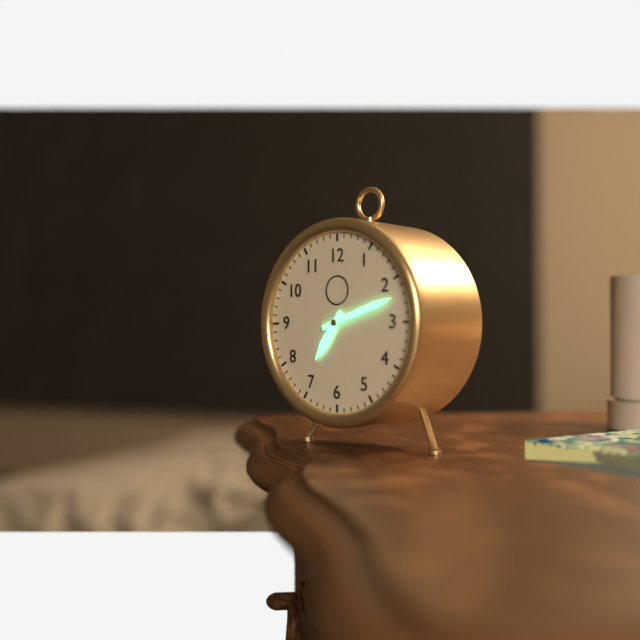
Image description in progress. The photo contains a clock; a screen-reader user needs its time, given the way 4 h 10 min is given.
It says 7 h 12 min
